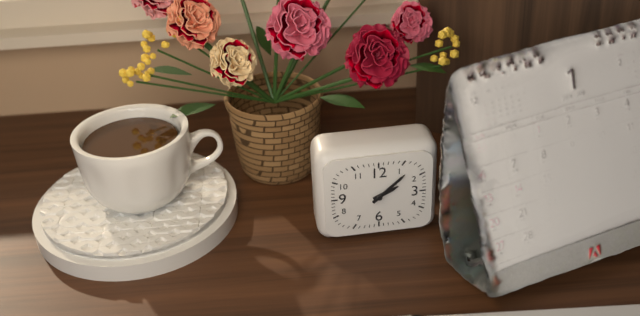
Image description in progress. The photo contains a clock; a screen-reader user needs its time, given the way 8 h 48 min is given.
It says 2 h 08 min
